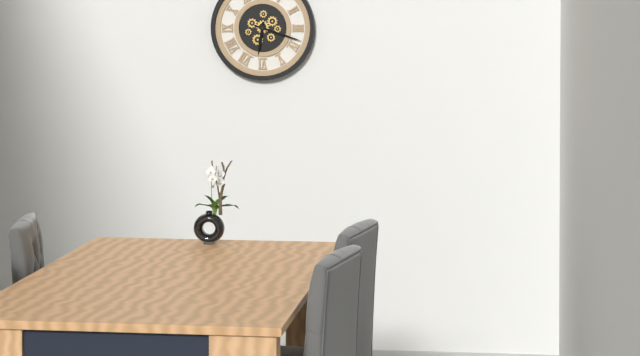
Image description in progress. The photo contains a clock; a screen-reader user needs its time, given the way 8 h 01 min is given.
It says 6 h 18 min
